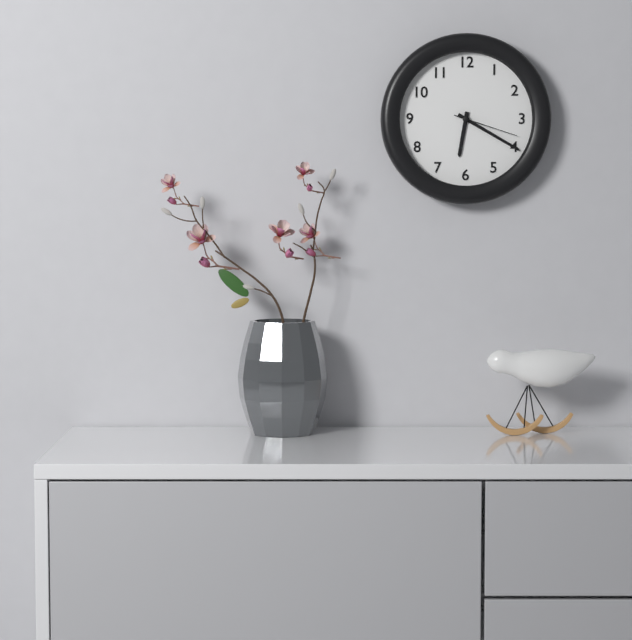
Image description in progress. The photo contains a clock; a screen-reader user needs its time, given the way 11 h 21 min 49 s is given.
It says 6 h 20 min 18 s
